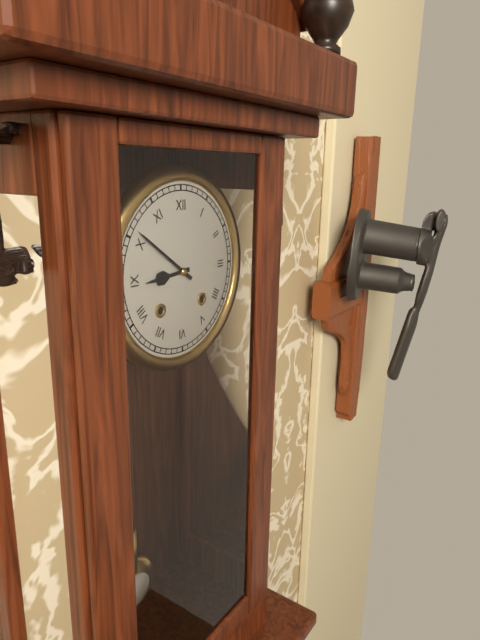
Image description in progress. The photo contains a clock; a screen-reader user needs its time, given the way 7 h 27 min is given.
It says 8 h 51 min
